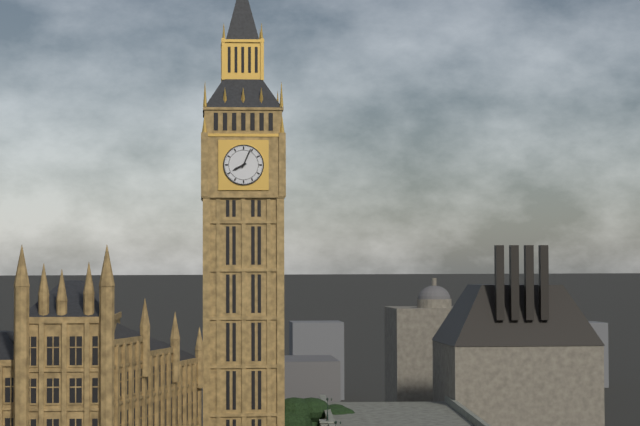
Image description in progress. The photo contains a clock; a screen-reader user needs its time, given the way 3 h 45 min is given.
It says 8 h 04 min
